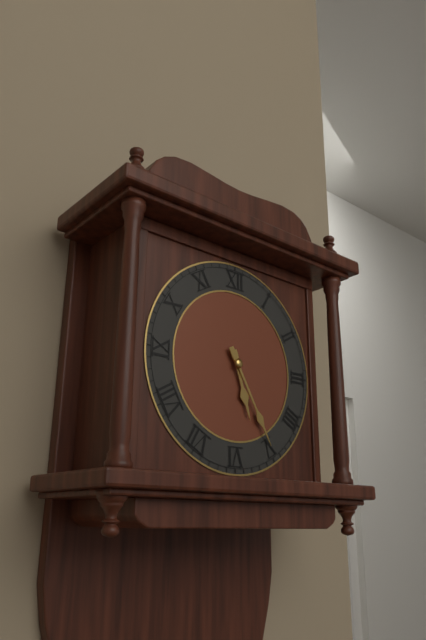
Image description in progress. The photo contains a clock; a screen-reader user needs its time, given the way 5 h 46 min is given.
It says 5 h 25 min
